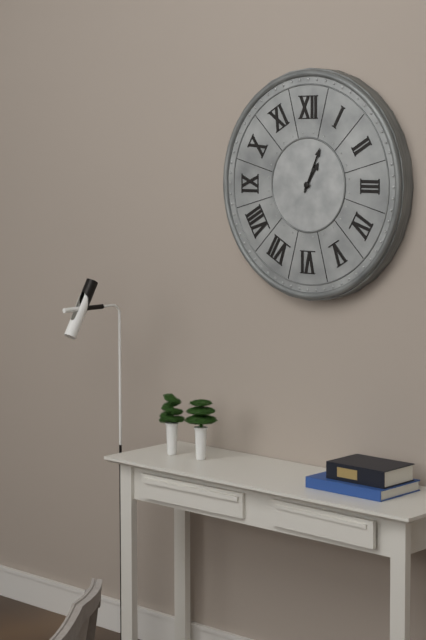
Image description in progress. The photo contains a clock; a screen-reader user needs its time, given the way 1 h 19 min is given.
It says 1 h 04 min
